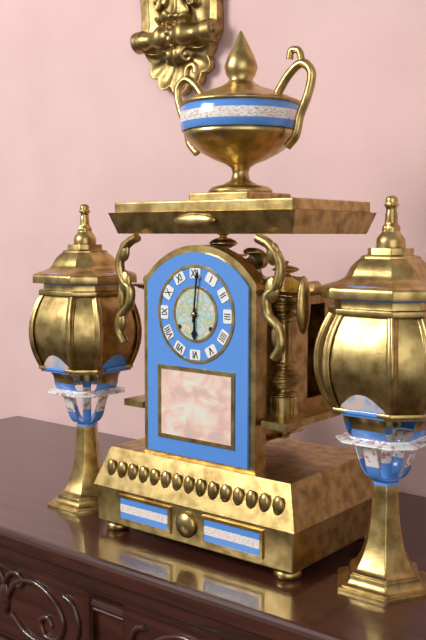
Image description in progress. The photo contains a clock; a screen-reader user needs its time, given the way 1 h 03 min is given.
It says 6 h 01 min
